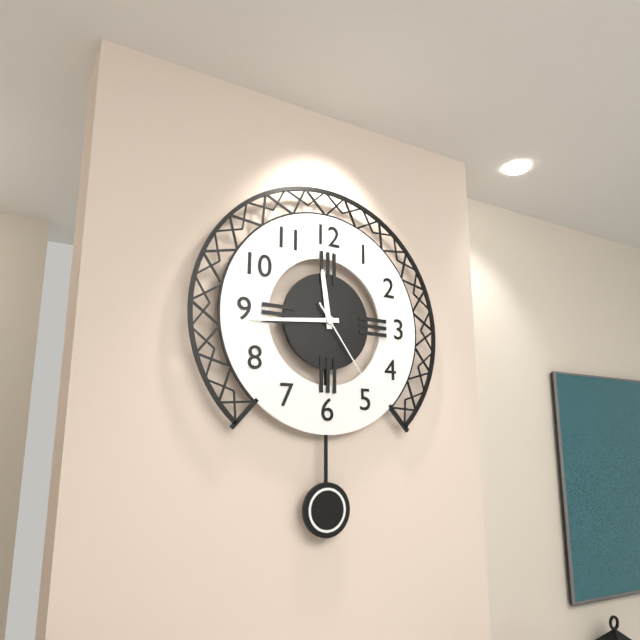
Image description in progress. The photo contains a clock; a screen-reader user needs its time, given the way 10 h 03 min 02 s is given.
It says 11 h 44 min 24 s
